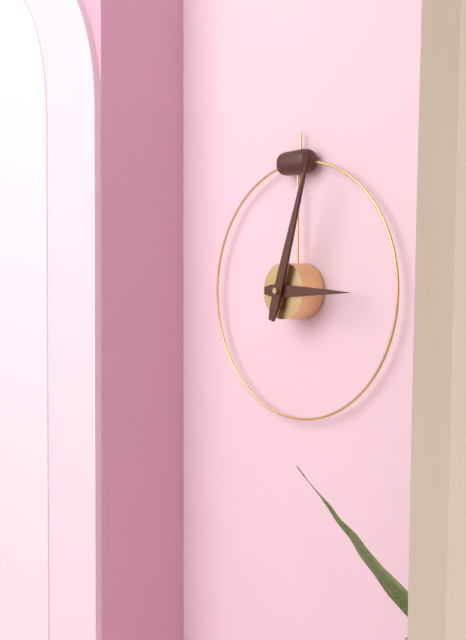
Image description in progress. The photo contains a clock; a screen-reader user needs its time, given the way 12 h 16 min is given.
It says 3 h 03 min
